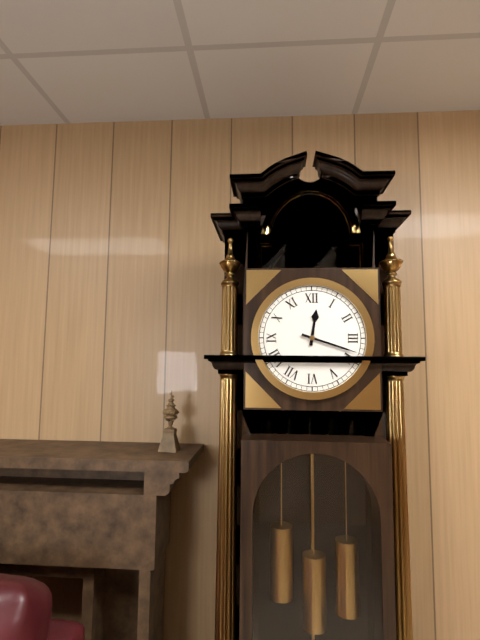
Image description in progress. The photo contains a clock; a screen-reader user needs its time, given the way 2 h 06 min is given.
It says 12 h 18 min
